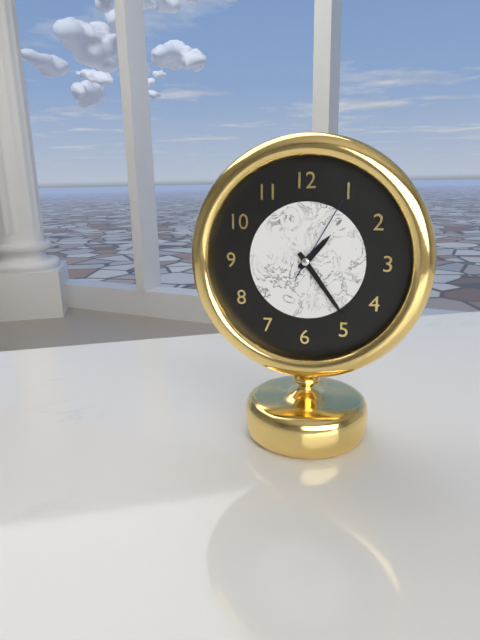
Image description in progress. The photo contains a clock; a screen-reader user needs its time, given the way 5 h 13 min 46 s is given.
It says 1 h 24 min 05 s
